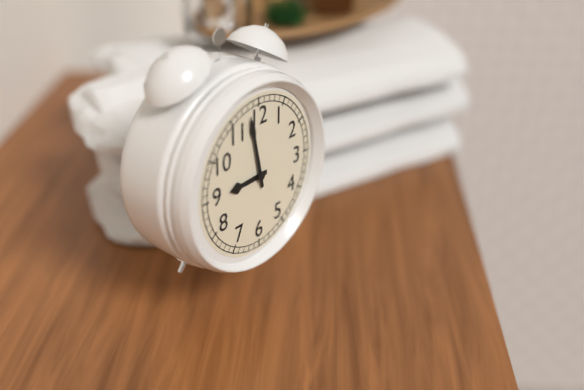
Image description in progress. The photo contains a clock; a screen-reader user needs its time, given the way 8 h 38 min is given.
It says 8 h 58 min
